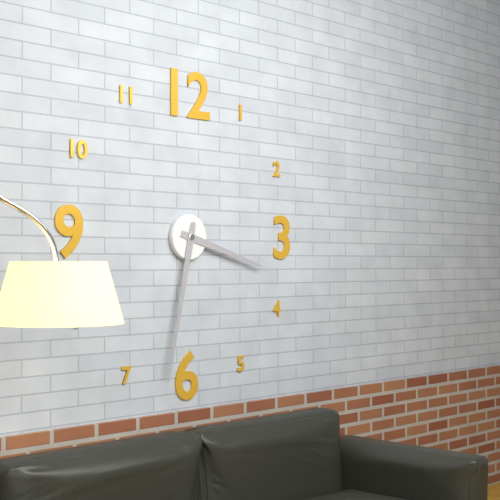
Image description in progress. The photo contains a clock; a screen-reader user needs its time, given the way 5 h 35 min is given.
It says 3 h 32 min
